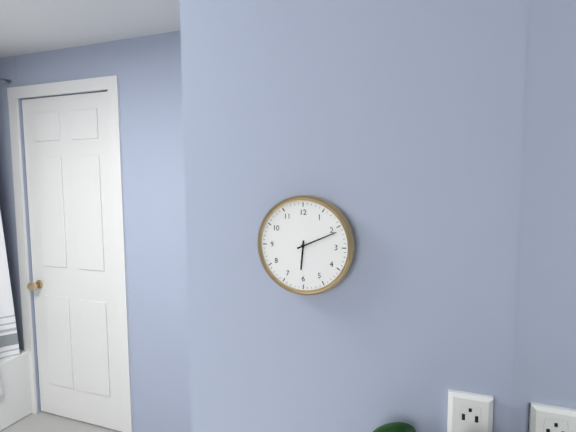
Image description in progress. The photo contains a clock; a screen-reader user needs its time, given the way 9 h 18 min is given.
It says 6 h 11 min
